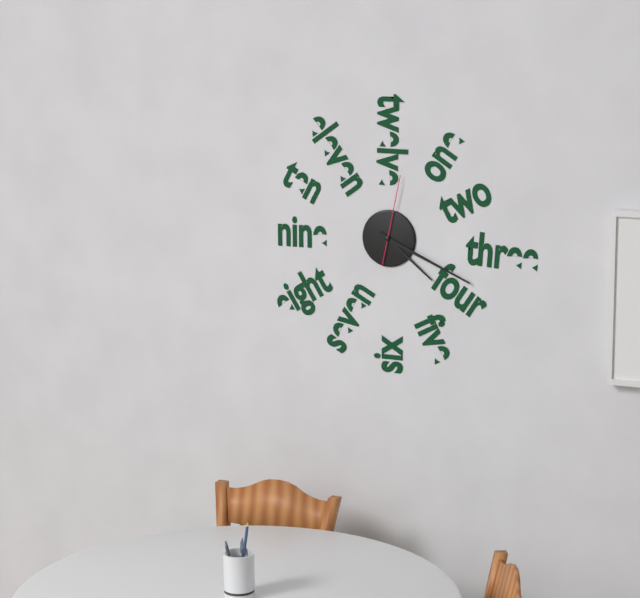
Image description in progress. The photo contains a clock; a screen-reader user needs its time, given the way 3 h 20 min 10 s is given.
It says 4 h 19 min 02 s
